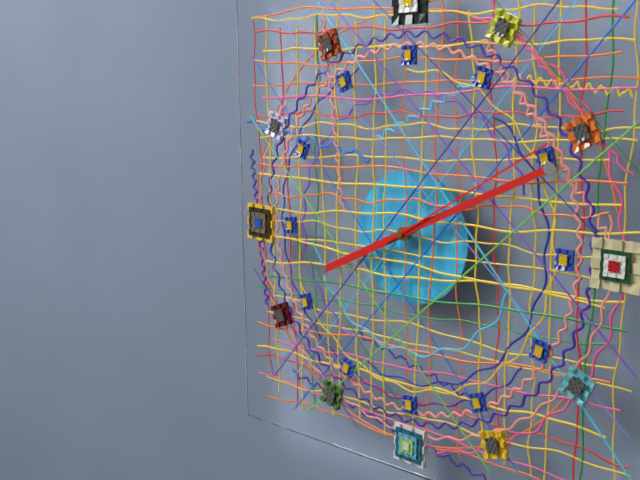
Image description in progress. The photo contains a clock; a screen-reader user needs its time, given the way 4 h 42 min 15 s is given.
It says 8 h 11 min 10 s
